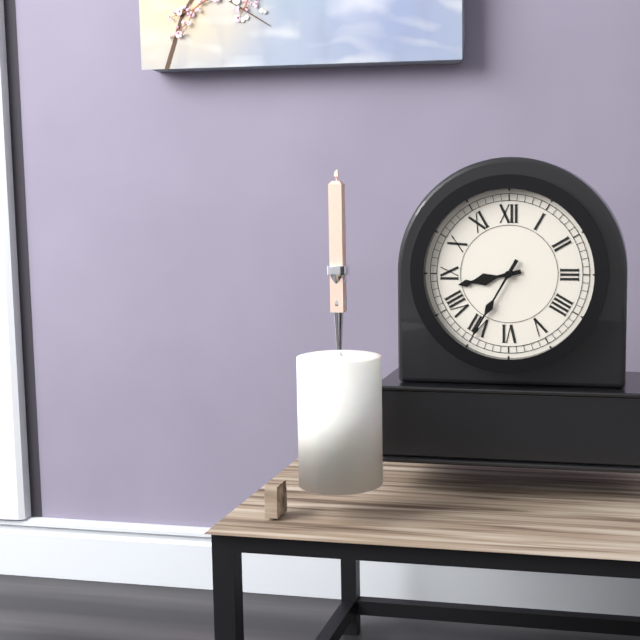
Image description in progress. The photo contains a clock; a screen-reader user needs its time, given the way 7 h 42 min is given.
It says 8 h 35 min
